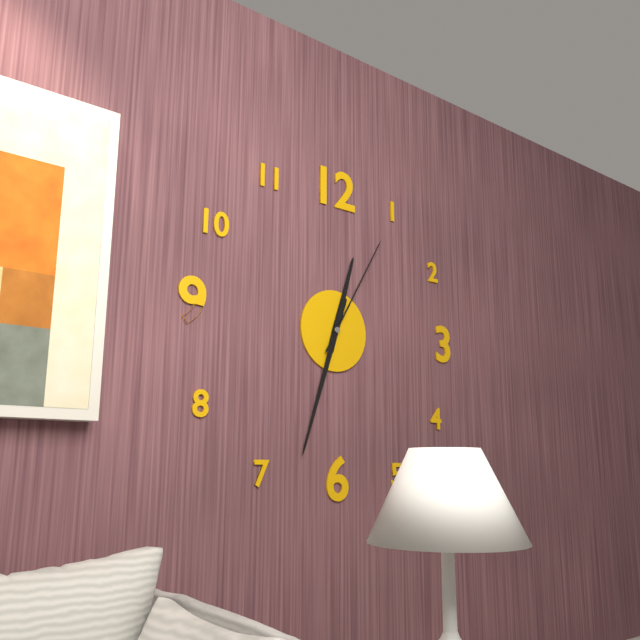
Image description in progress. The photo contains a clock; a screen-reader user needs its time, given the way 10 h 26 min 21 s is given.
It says 12 h 33 min 05 s
